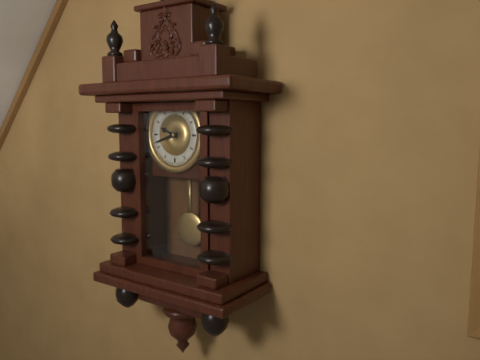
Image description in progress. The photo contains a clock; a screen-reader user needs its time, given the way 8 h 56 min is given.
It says 9 h 42 min
